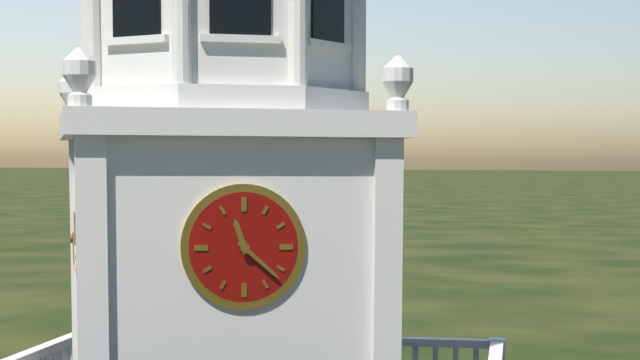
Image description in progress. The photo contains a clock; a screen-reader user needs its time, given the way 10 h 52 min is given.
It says 11 h 22 min
